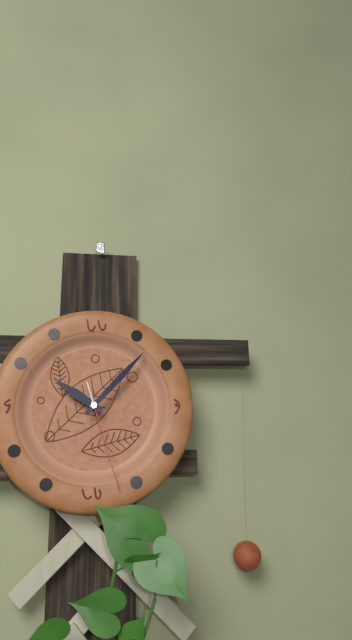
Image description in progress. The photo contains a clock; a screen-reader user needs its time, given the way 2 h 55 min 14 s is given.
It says 10 h 07 min 27 s
